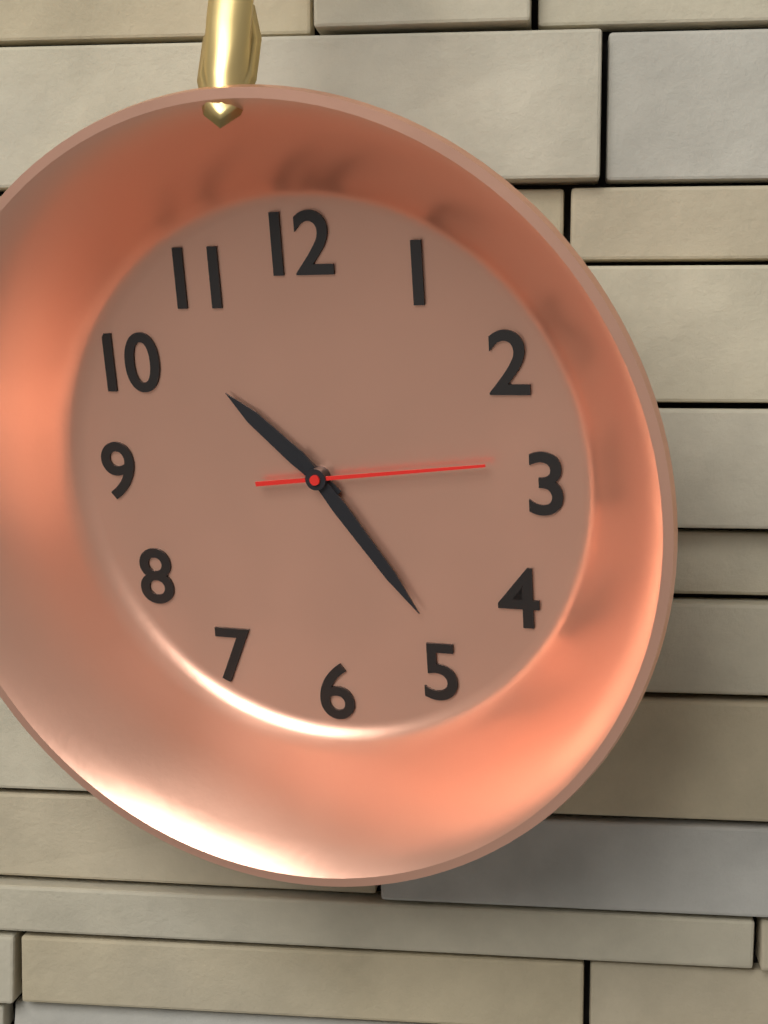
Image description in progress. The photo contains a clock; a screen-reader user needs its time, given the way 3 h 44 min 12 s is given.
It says 10 h 24 min 14 s
